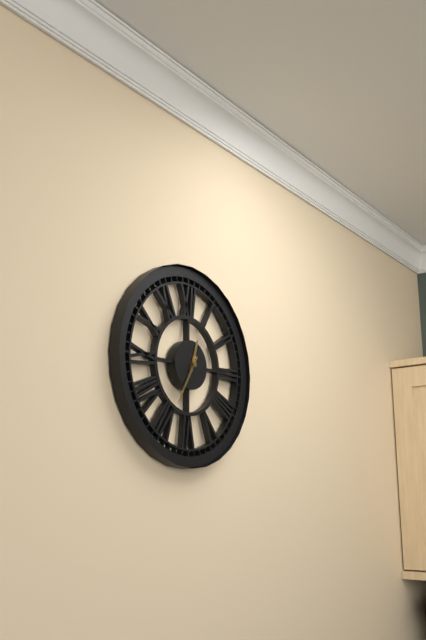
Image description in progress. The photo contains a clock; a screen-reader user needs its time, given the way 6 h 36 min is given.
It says 12 h 35 min
